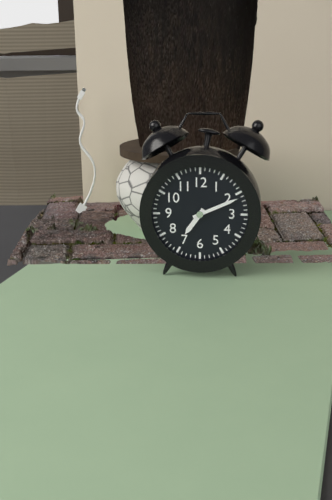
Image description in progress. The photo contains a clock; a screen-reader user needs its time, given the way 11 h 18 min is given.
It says 7 h 11 min
